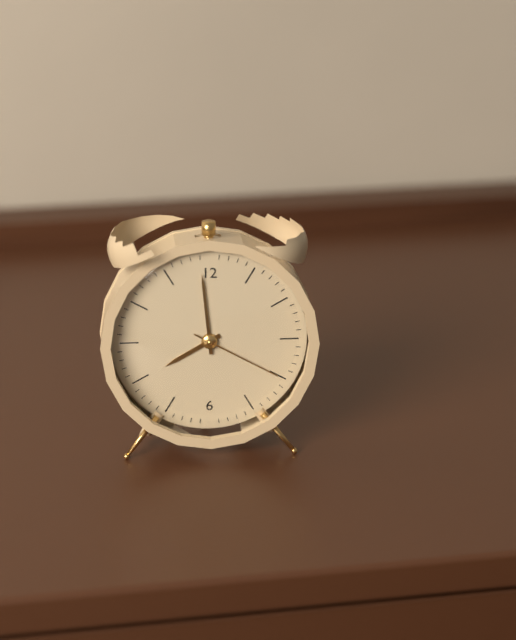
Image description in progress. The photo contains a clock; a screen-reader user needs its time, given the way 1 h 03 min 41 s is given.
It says 7 h 59 min 20 s
